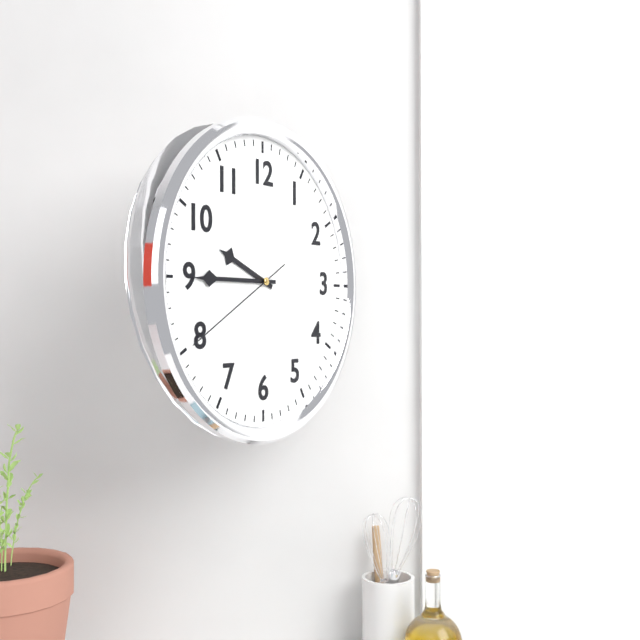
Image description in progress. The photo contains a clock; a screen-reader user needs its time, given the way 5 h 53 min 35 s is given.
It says 9 h 45 min 40 s
